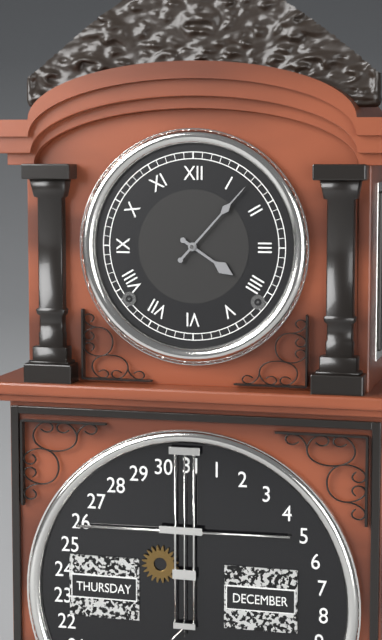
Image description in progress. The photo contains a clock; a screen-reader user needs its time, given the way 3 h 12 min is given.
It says 4 h 07 min
